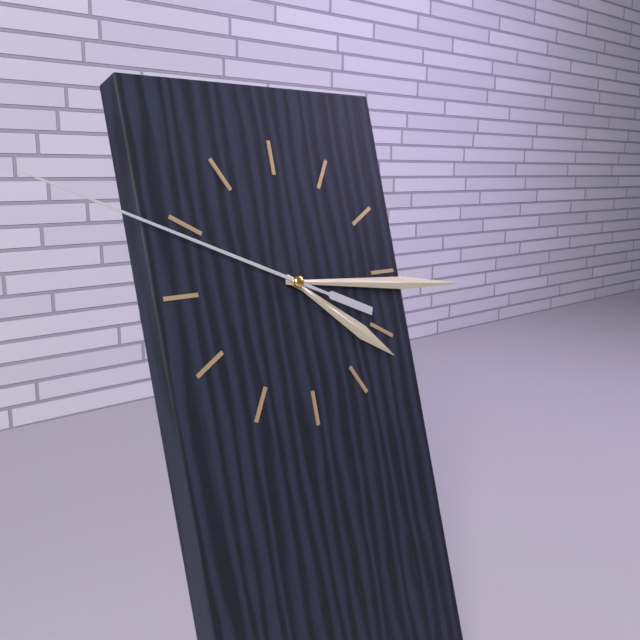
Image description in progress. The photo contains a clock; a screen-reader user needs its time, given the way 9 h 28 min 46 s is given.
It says 4 h 16 min 49 s
